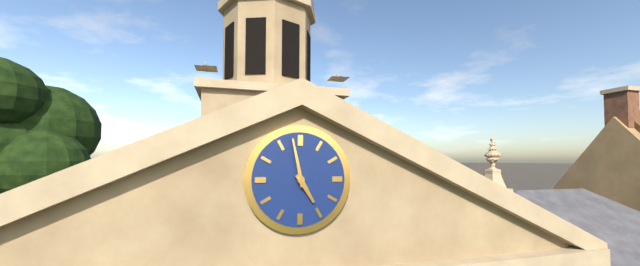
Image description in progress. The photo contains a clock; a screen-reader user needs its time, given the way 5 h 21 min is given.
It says 4 h 58 min
